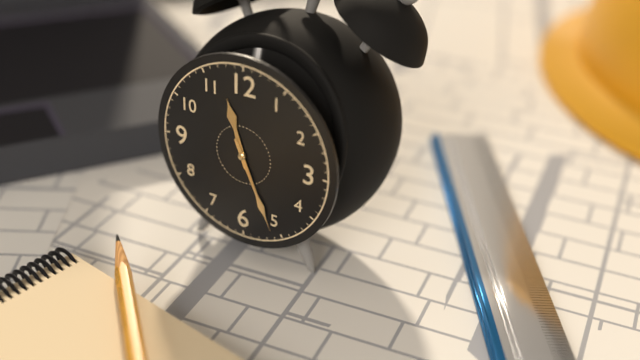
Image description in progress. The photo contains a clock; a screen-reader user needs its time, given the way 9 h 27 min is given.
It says 11 h 26 min
